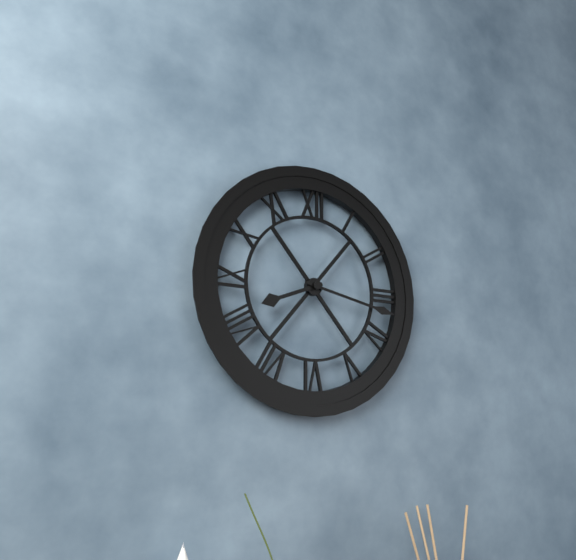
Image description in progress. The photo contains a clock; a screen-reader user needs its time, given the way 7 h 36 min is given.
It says 8 h 17 min
